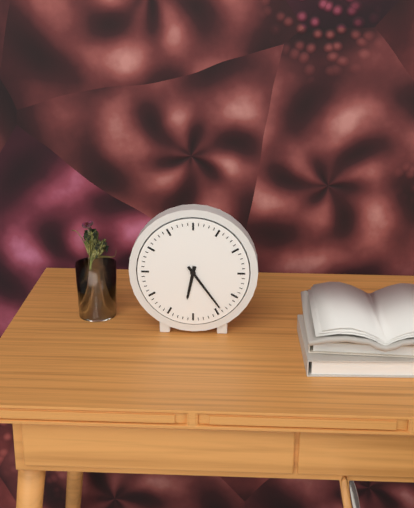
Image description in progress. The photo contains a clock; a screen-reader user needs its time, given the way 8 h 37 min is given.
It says 6 h 24 min
